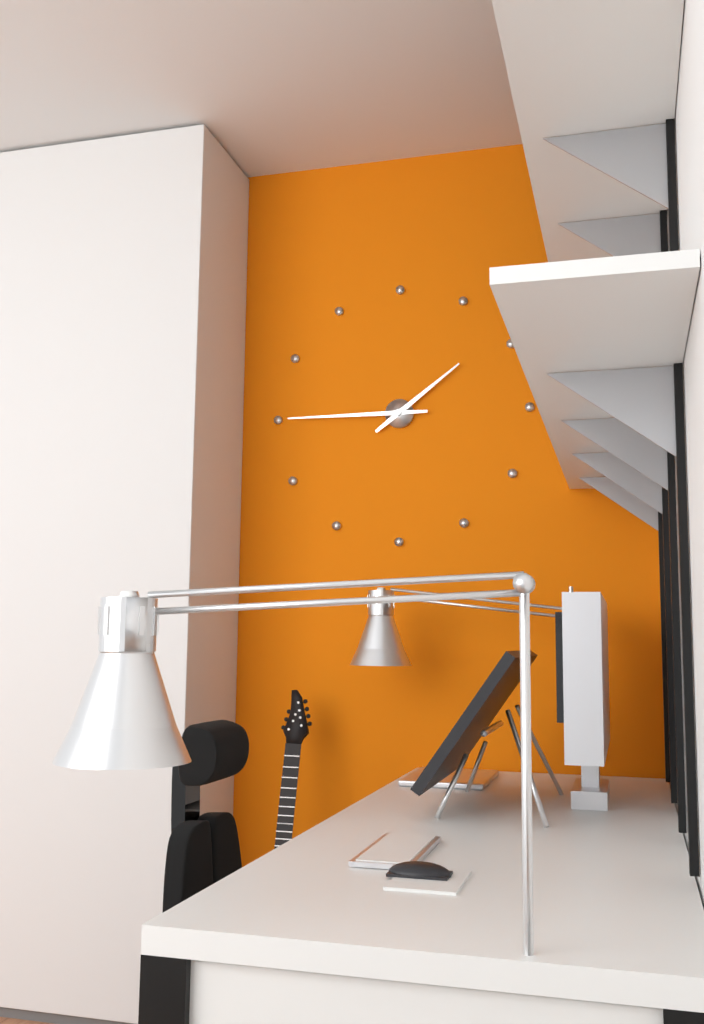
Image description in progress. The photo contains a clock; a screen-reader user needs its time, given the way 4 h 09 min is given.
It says 1 h 45 min
